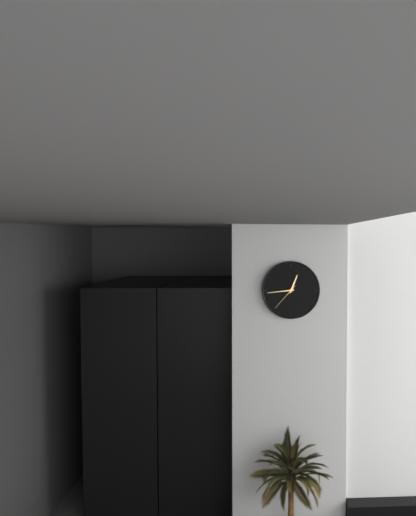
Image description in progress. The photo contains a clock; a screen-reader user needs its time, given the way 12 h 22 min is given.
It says 12 h 44 min
